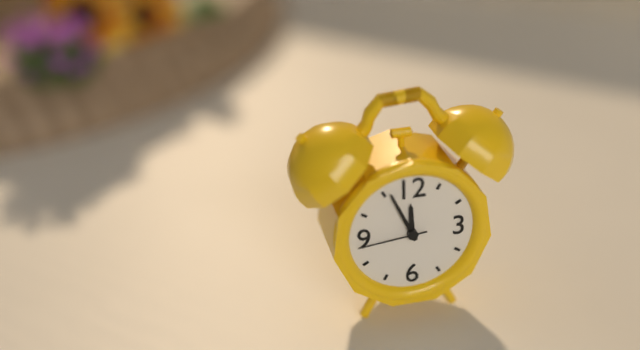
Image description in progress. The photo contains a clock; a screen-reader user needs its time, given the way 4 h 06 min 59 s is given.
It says 11 h 56 min 44 s
